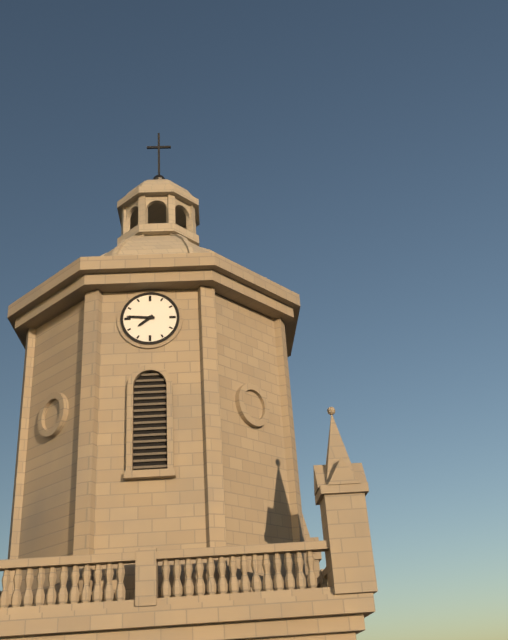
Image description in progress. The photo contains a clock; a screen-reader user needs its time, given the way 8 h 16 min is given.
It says 7 h 46 min
